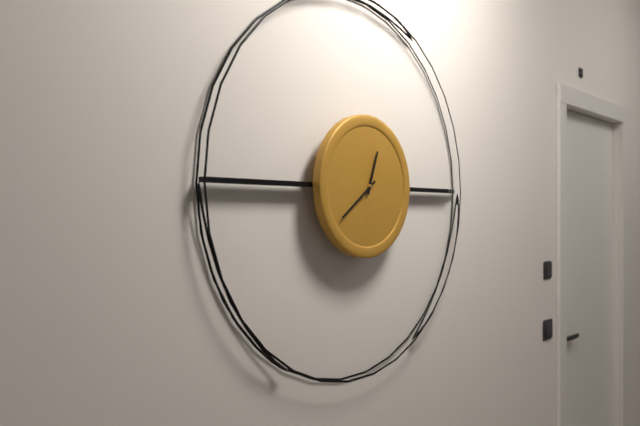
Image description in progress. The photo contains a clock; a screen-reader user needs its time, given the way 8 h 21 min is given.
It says 12 h 39 min
